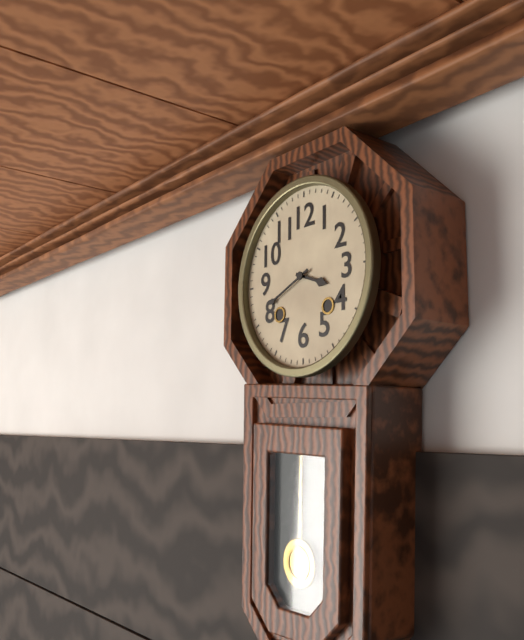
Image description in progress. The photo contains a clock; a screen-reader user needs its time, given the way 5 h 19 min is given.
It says 3 h 41 min
